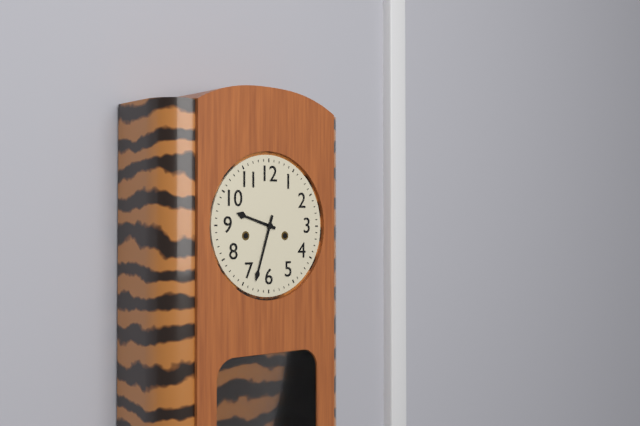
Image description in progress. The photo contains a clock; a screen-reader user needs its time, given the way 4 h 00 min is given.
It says 9 h 33 min
